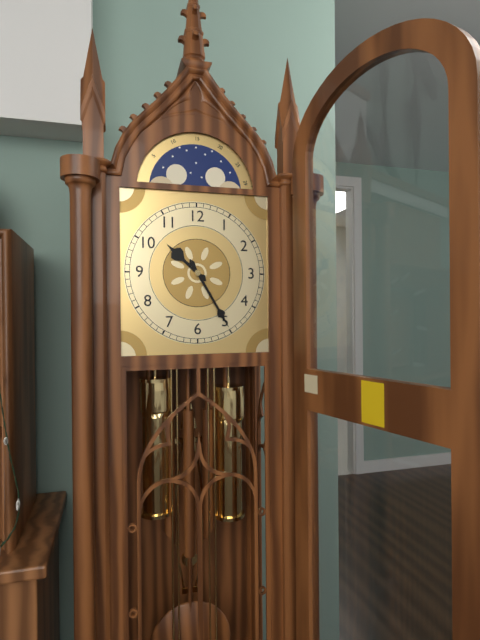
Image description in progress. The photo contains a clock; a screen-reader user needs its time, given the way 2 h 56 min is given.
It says 10 h 25 min
